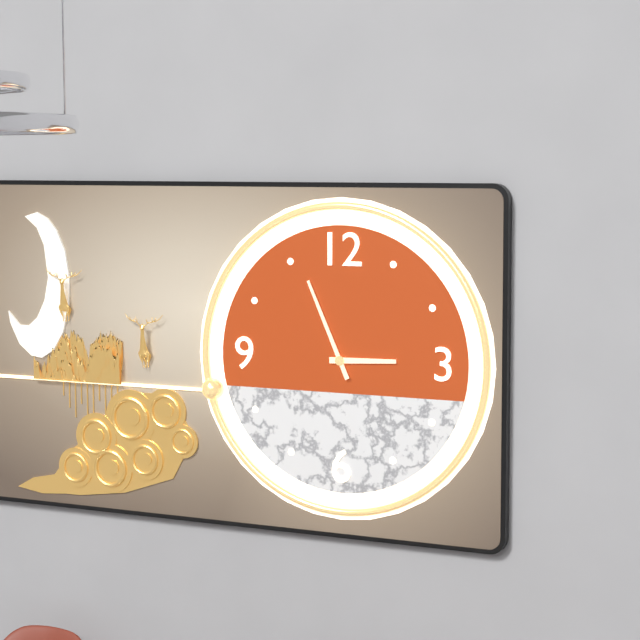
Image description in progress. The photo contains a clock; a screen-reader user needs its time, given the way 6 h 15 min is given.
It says 2 h 56 min
